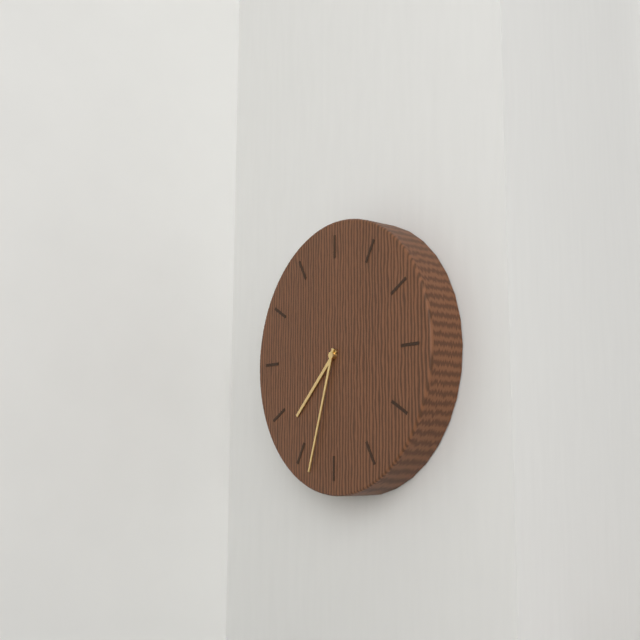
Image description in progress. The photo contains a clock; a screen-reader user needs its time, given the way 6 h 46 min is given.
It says 7 h 33 min
